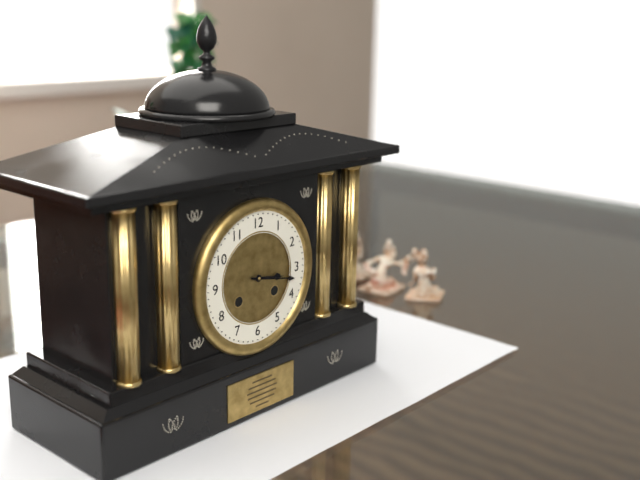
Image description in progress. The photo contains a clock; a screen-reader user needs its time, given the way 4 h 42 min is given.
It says 3 h 17 min
